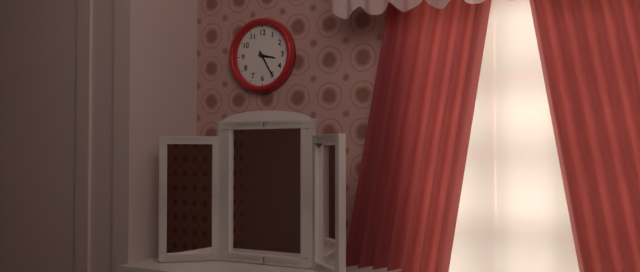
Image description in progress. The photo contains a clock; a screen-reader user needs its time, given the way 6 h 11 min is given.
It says 3 h 25 min
